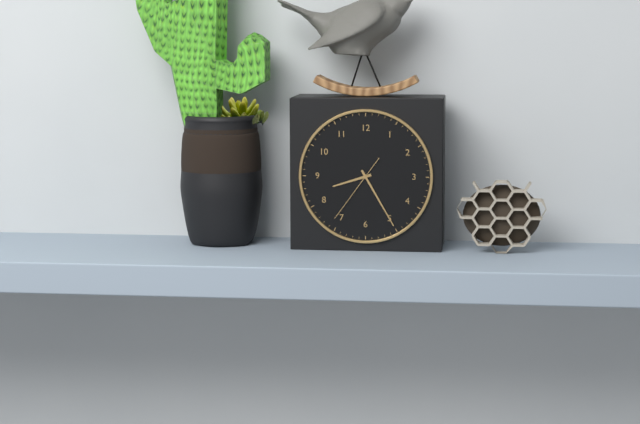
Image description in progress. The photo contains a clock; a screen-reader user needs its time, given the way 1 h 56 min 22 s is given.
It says 8 h 25 min 36 s
